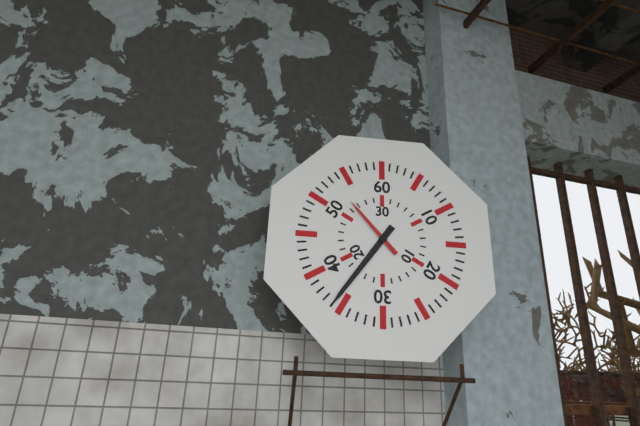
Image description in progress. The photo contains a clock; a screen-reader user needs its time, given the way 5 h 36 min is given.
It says 10 h 36 min
